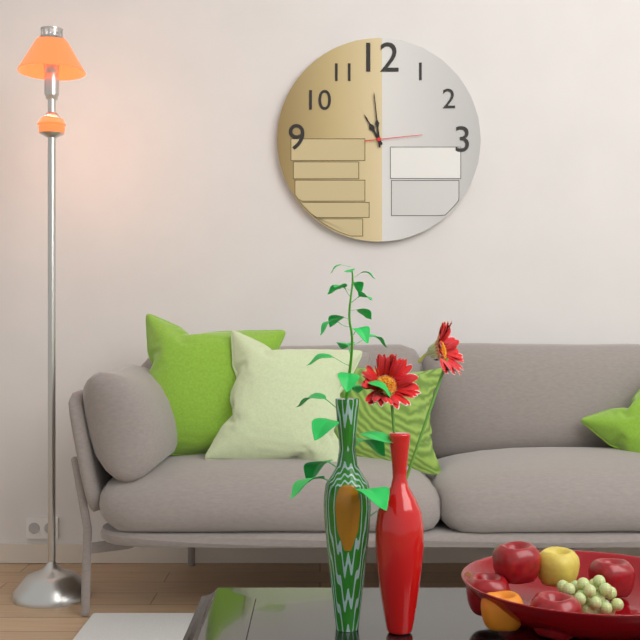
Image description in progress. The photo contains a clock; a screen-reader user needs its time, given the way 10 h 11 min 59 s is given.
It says 10 h 59 min 14 s
